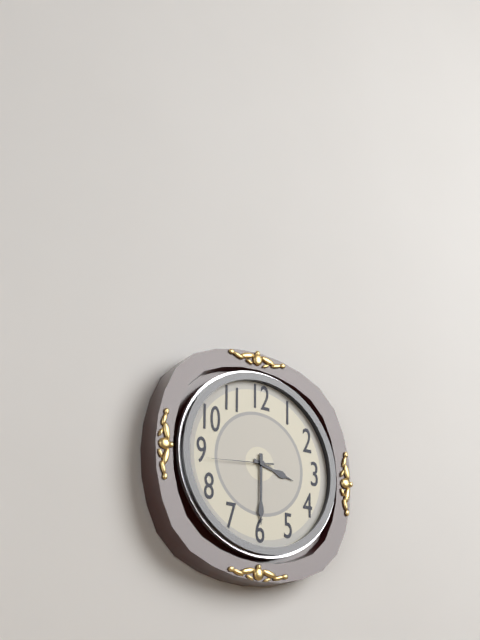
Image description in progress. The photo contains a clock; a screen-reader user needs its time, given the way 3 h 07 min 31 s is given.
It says 3 h 30 min 44 s
